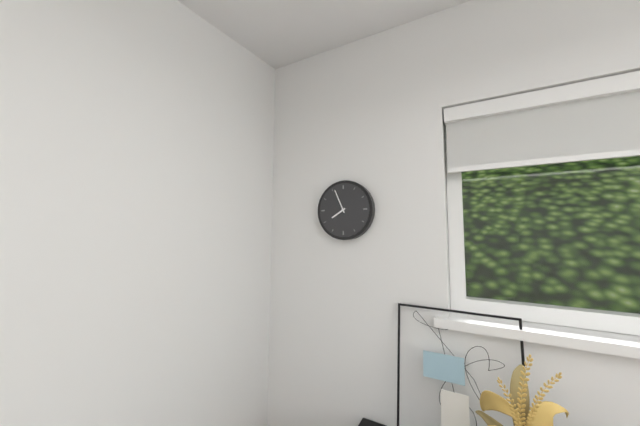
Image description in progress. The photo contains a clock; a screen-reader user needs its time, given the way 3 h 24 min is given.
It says 7 h 56 min
